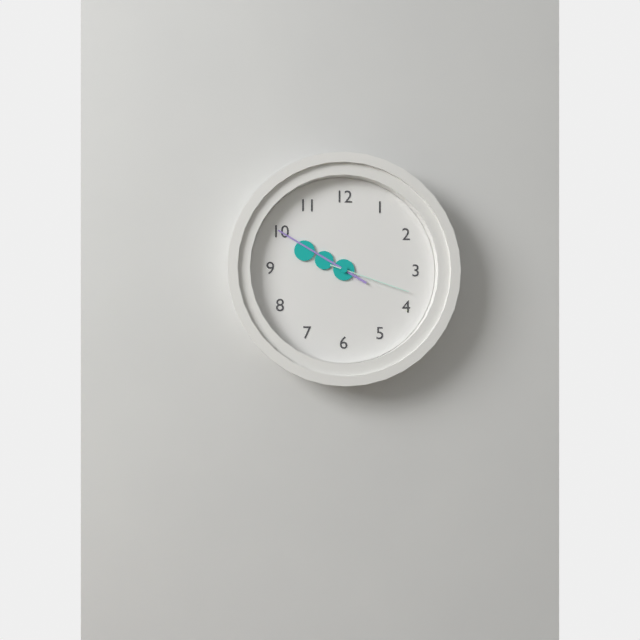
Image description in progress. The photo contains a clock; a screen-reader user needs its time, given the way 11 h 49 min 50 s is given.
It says 9 h 50 min 18 s
